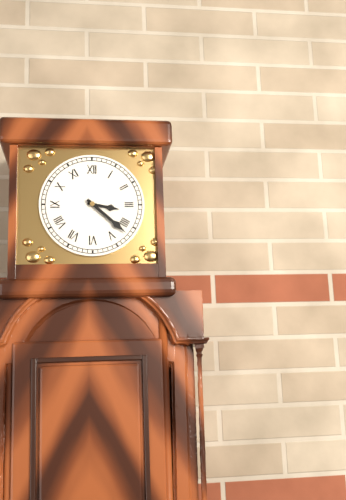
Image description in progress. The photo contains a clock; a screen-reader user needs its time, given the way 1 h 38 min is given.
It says 3 h 22 min
